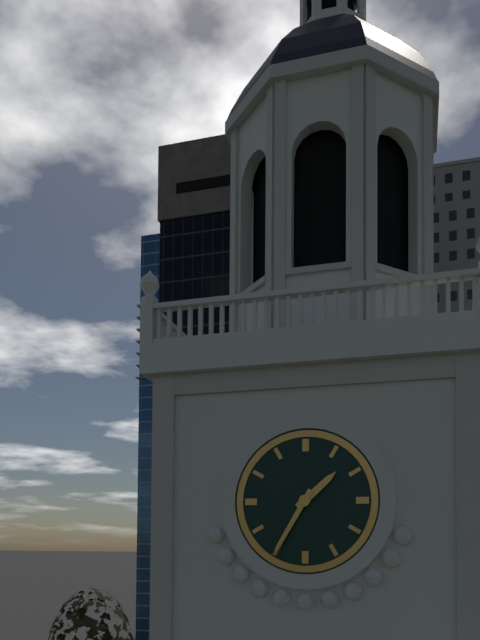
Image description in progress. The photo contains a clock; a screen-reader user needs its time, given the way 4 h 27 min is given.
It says 1 h 35 min
